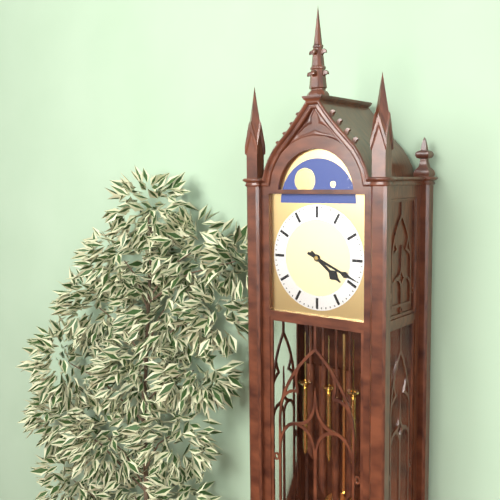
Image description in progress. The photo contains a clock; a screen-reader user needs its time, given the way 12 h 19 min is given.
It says 4 h 19 min
